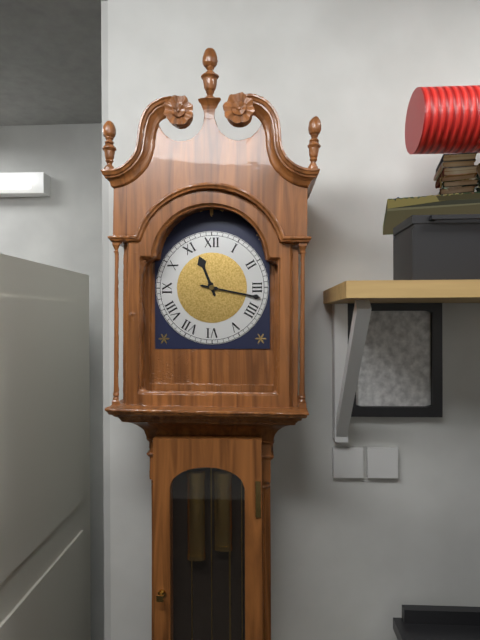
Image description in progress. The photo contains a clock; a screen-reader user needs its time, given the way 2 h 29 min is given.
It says 11 h 17 min
